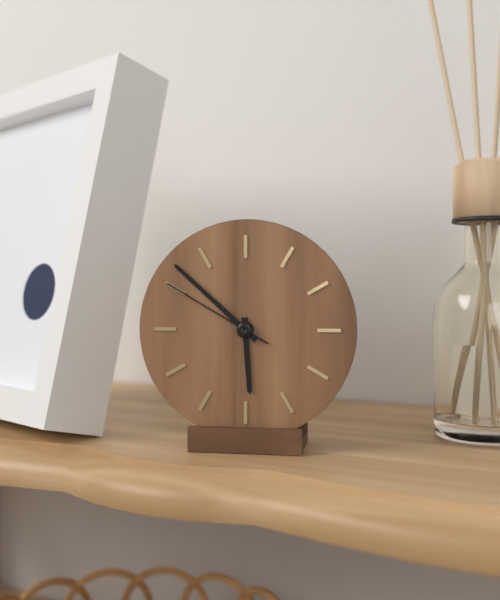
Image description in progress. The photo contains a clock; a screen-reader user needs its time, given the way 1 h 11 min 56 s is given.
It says 5 h 52 min 50 s
